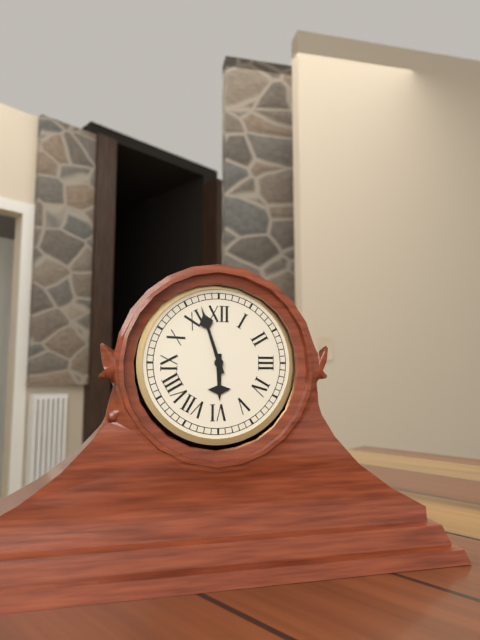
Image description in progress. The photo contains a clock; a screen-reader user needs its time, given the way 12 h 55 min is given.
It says 5 h 57 min
